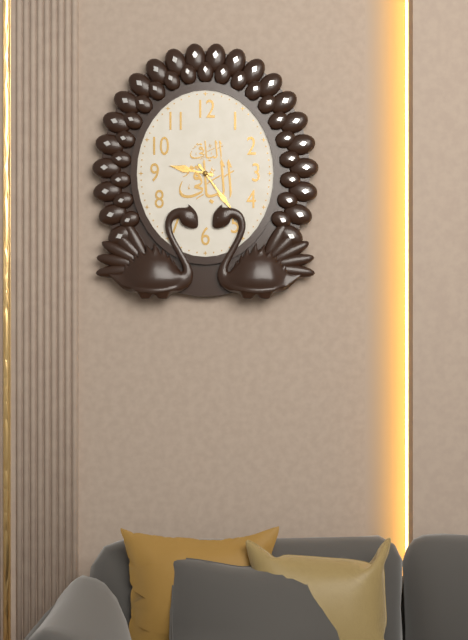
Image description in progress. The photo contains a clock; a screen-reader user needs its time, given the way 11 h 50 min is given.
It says 9 h 24 min
